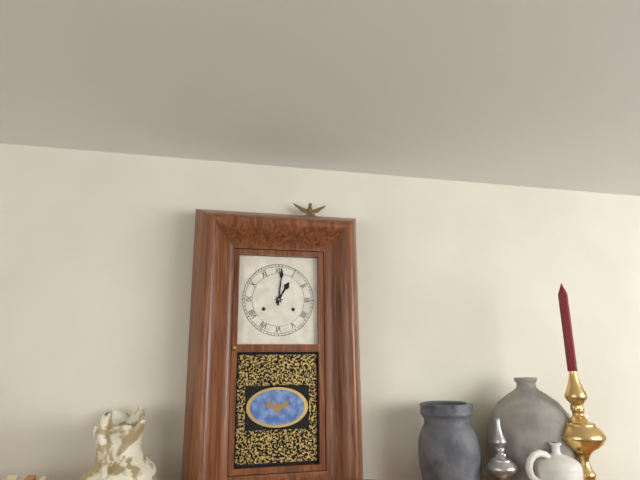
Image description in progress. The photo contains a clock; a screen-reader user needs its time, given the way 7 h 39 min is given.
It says 1 h 01 min
